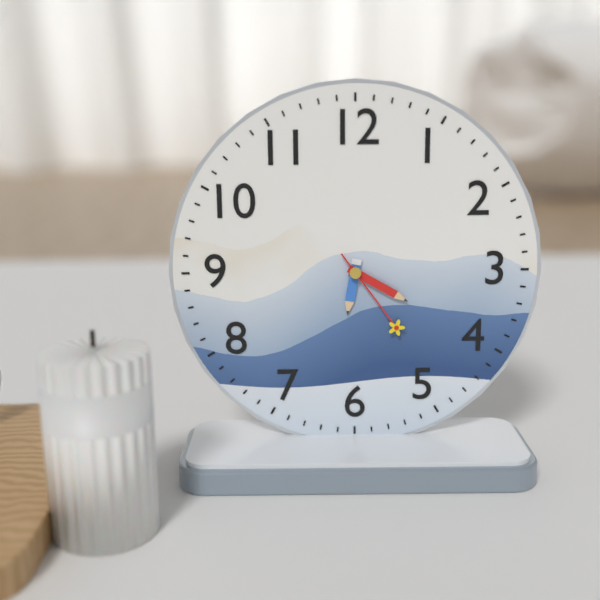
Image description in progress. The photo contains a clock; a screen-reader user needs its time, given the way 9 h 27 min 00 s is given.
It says 6 h 20 min 24 s
